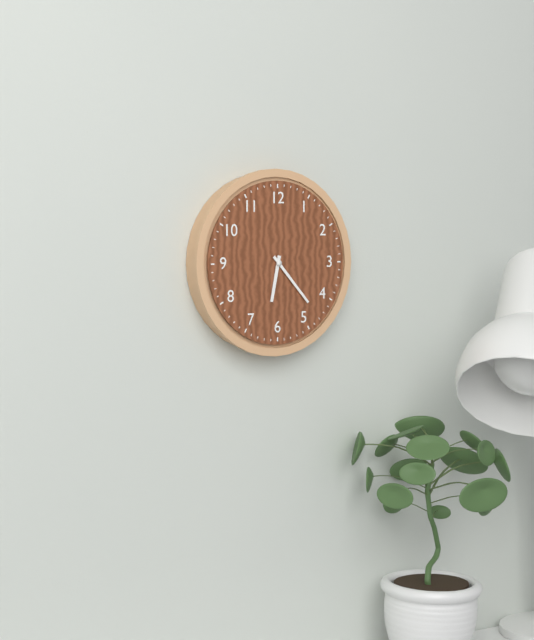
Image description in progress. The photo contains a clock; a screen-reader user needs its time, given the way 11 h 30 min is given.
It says 6 h 23 min
